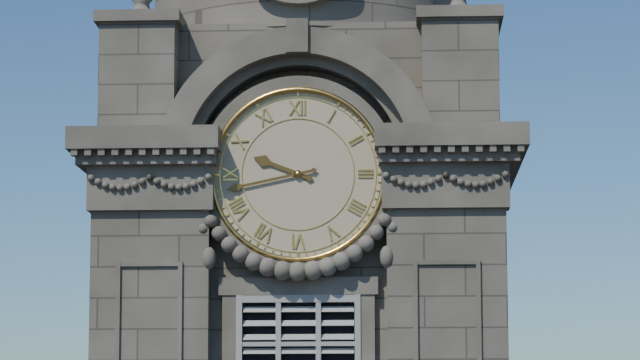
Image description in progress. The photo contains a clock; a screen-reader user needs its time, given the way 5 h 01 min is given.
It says 9 h 43 min
